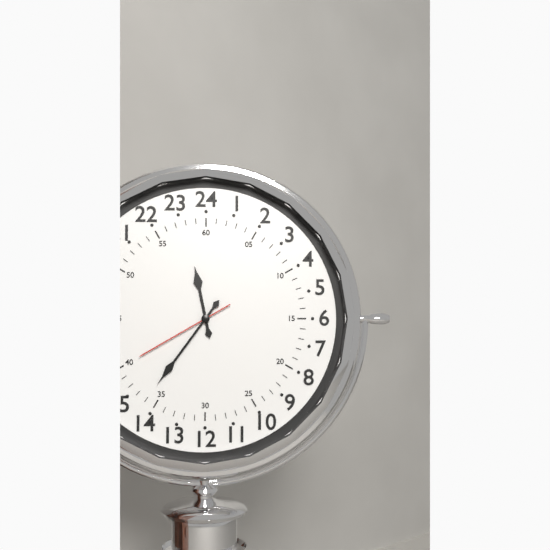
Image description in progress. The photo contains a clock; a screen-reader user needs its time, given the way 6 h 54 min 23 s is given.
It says 11 h 36 min 40 s
